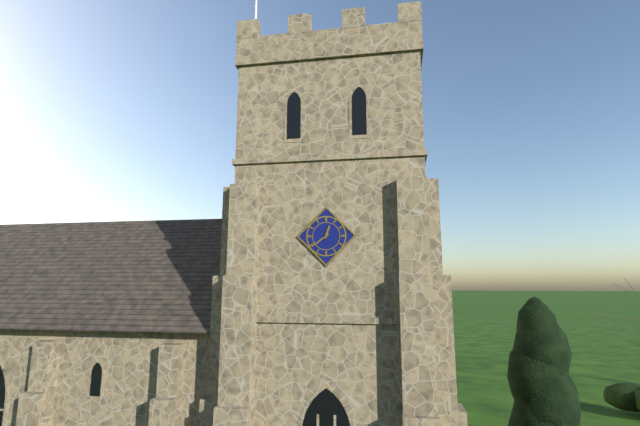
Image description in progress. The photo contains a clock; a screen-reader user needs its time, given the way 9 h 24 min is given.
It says 12 h 39 min
